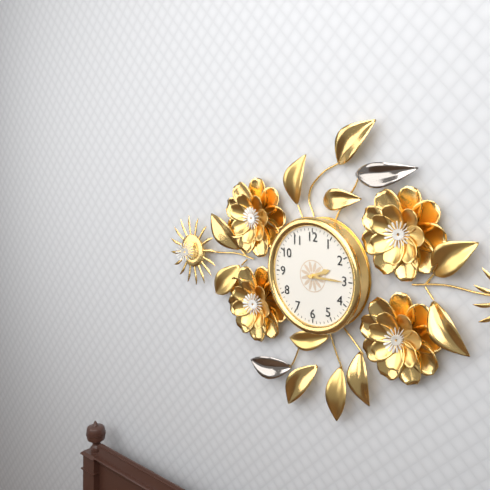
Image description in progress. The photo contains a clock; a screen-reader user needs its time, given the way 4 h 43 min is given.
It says 2 h 15 min
